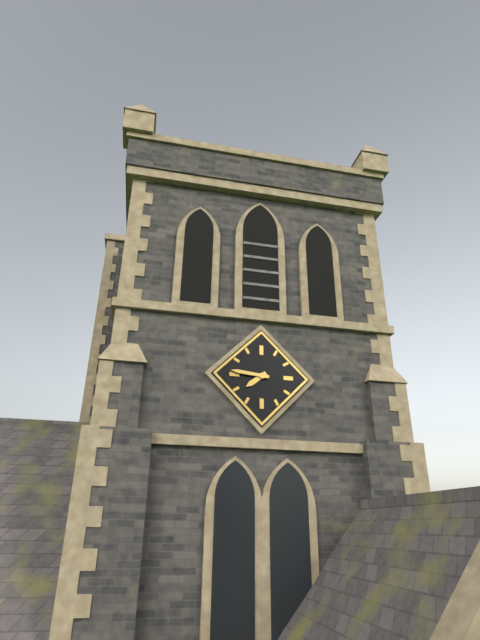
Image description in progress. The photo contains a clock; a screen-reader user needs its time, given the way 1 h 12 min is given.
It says 7 h 46 min
